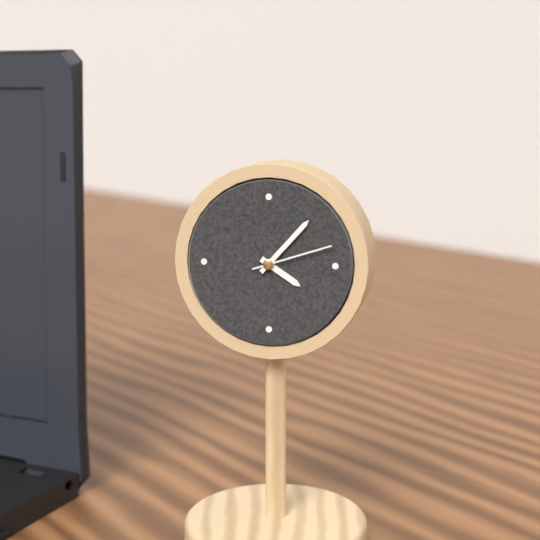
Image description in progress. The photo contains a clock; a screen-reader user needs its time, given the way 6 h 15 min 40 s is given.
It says 4 h 07 min 12 s
